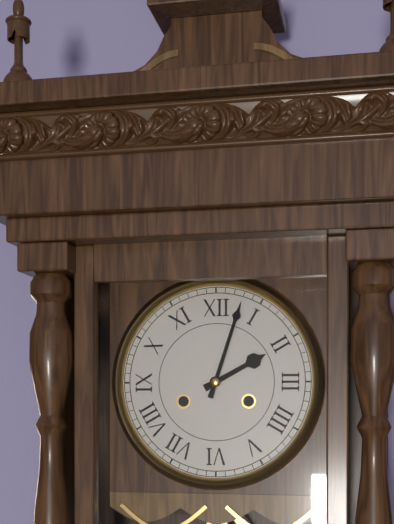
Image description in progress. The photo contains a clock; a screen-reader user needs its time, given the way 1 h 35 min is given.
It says 2 h 03 min
